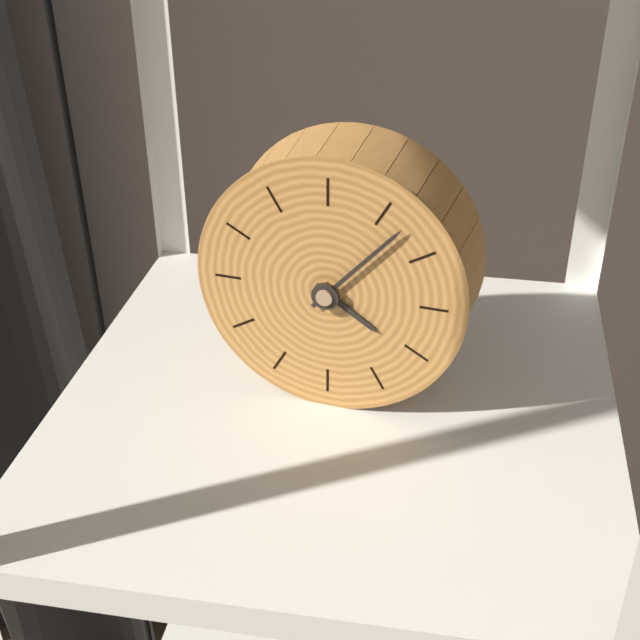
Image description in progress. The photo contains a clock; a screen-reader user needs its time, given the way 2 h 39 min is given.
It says 4 h 07 min
